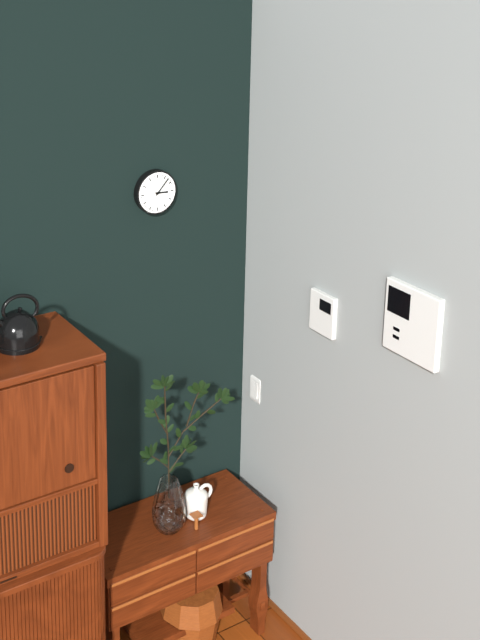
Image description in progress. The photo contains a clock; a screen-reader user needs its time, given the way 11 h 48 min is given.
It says 3 h 07 min
